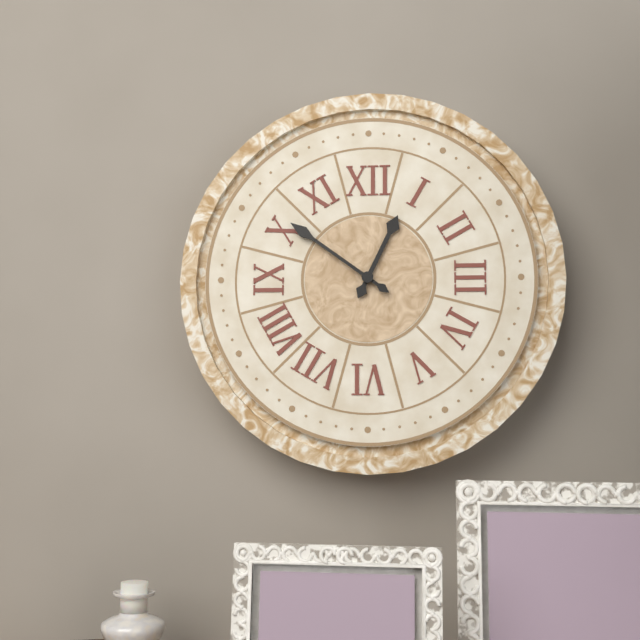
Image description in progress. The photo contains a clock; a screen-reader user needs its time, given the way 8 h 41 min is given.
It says 12 h 51 min
